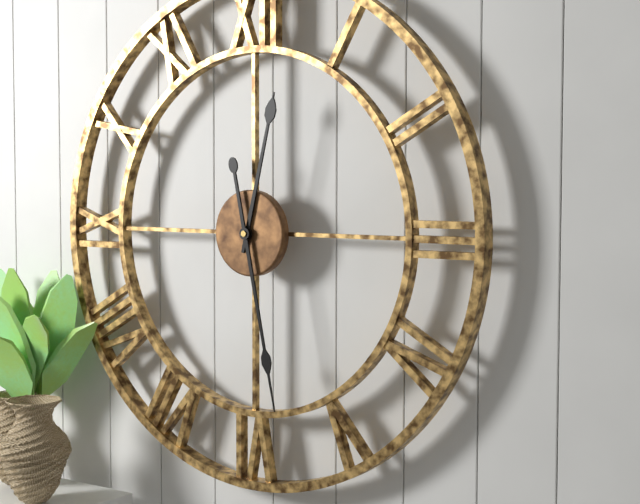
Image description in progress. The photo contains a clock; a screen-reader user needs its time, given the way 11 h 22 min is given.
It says 12 h 28 min
